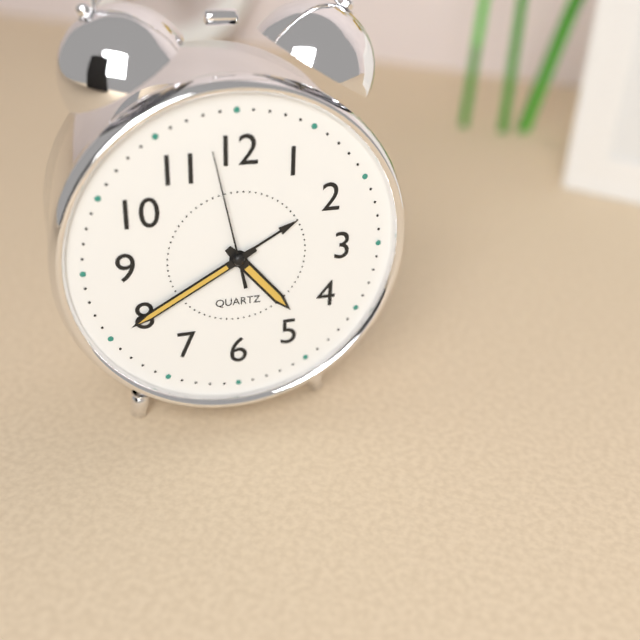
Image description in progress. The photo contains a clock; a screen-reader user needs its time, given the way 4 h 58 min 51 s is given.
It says 4 h 40 min 58 s
